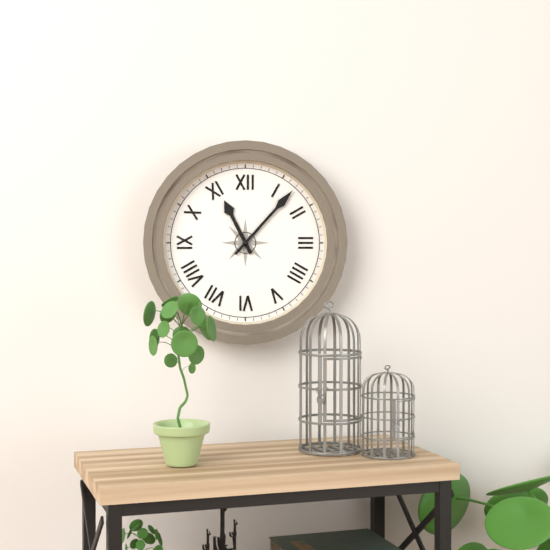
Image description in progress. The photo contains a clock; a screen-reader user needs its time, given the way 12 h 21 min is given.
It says 11 h 07 min
